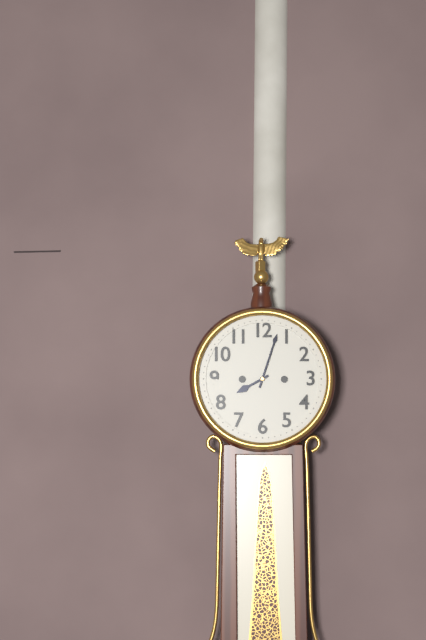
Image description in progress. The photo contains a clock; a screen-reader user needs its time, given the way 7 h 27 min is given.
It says 8 h 03 min
